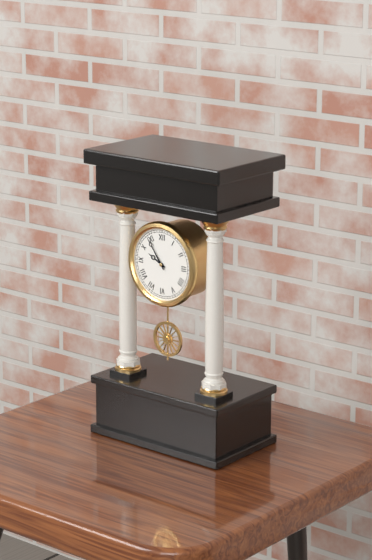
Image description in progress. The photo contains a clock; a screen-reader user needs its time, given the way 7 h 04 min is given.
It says 9 h 54 min
